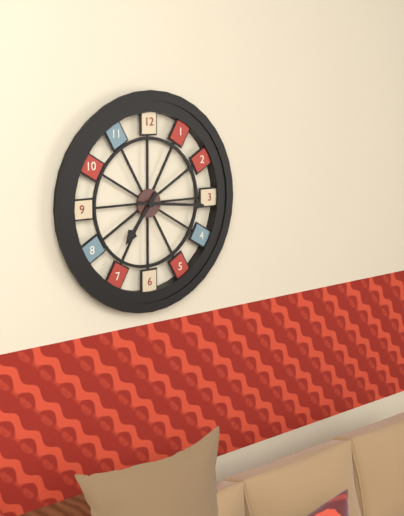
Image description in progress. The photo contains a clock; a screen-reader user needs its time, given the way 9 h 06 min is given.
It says 7 h 16 min
